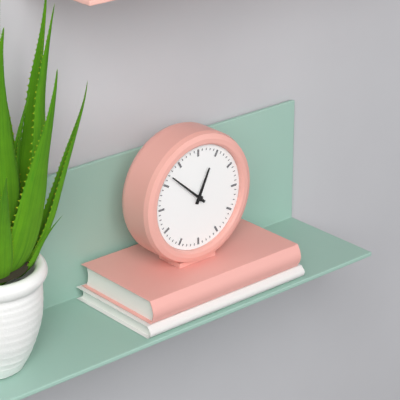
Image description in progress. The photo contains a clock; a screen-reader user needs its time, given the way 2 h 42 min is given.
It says 12 h 52 min
